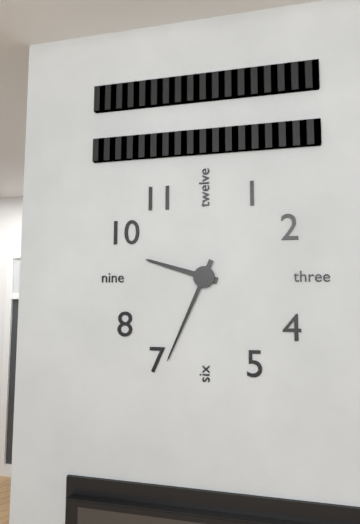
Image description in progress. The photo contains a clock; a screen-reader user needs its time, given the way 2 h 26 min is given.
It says 9 h 34 min
